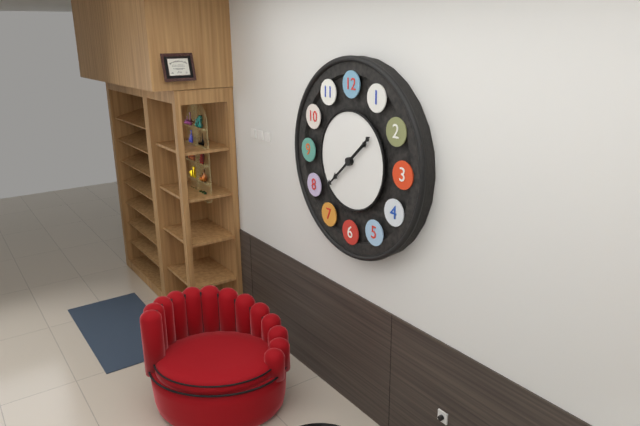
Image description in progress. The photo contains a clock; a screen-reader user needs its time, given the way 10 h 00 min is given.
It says 7 h 38 min
